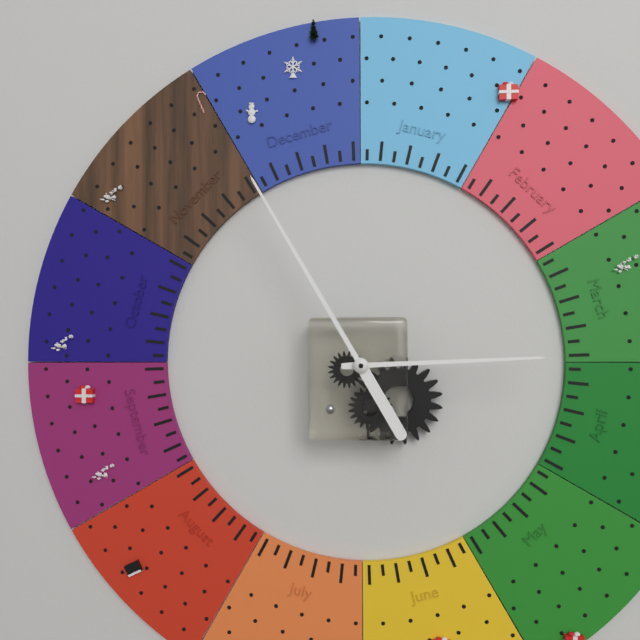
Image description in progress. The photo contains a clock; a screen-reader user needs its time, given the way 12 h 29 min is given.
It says 2 h 55 min
